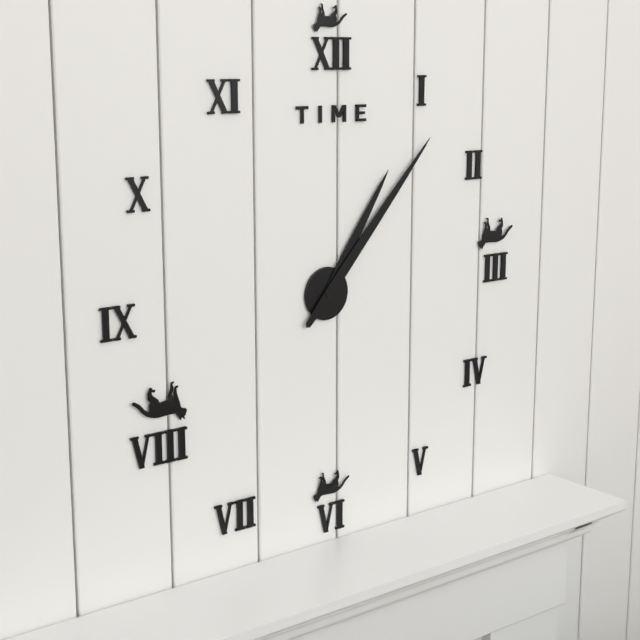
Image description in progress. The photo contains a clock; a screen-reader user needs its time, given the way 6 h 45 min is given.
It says 1 h 07 min
